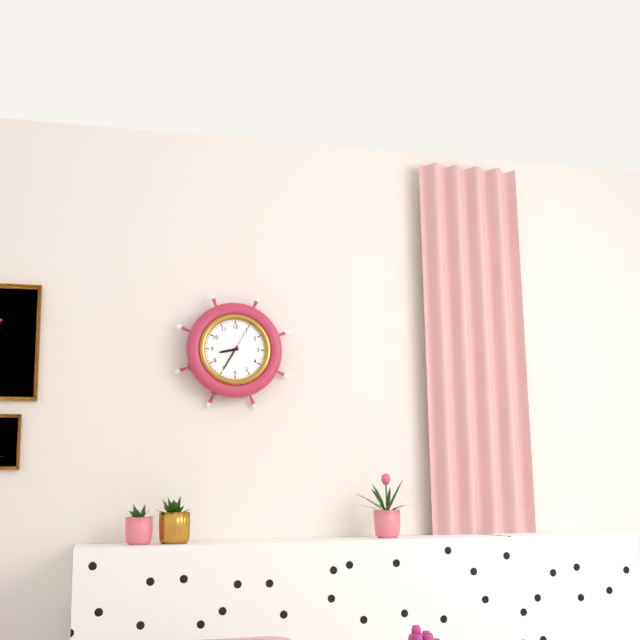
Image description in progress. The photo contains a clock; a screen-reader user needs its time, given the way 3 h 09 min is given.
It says 8 h 35 min
